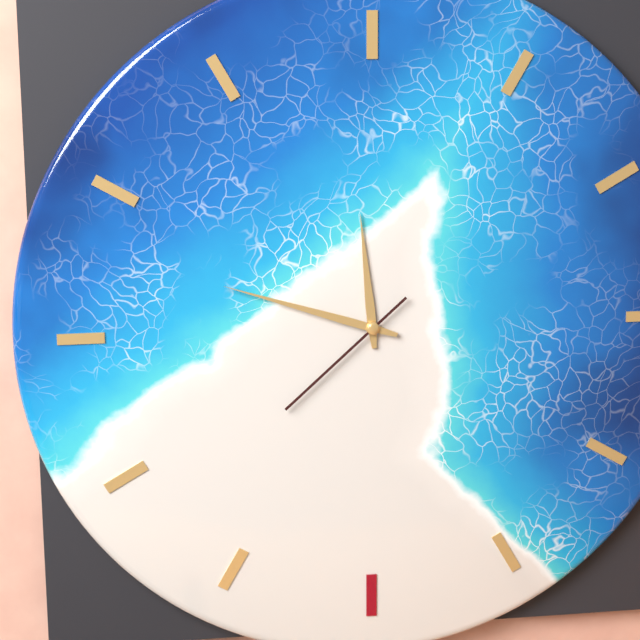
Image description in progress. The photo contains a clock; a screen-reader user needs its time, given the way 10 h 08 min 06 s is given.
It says 11 h 48 min 38 s
